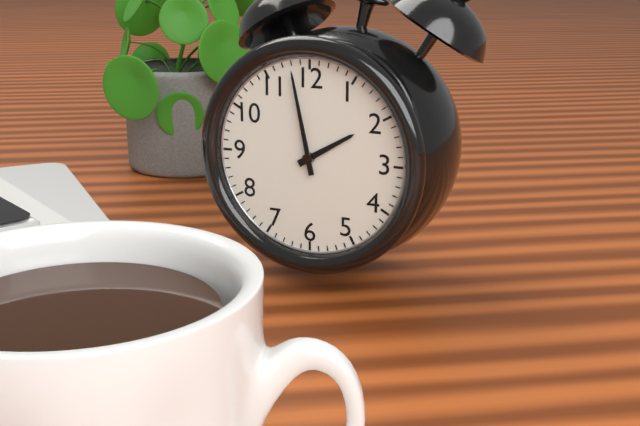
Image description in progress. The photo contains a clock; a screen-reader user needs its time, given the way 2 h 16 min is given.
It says 1 h 58 min
